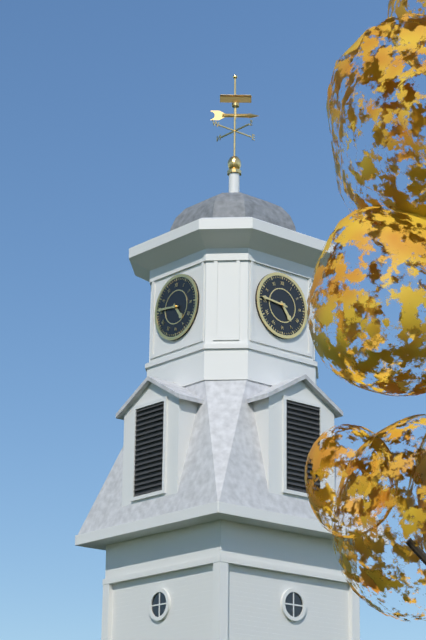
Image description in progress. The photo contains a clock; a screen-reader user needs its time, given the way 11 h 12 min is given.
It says 4 h 46 min
